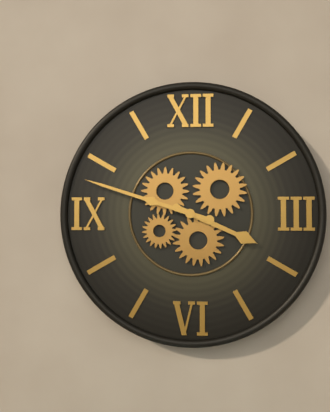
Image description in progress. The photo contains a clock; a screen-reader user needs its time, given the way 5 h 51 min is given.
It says 3 h 48 min
